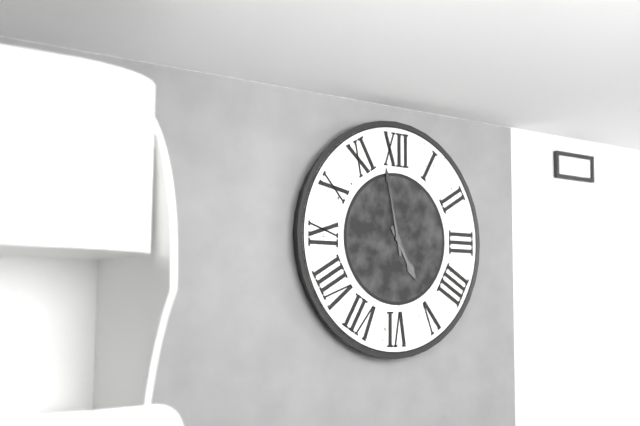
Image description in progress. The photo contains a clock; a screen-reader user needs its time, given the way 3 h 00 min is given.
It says 4 h 58 min
